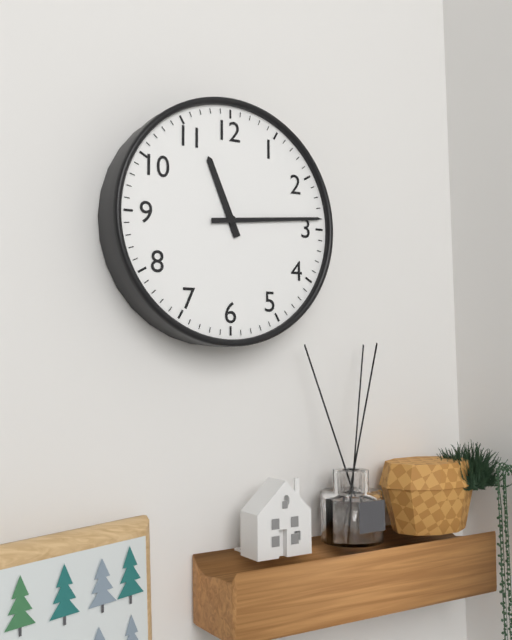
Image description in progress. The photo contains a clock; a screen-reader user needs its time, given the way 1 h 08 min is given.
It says 11 h 14 min
